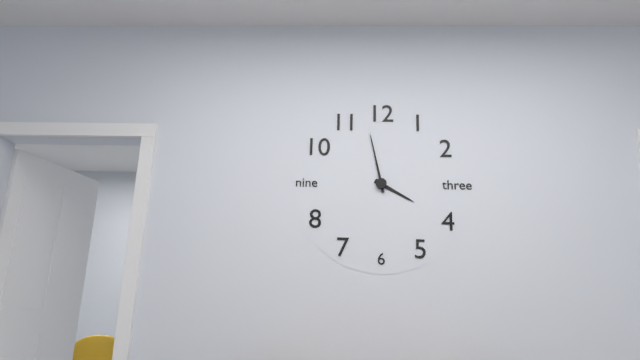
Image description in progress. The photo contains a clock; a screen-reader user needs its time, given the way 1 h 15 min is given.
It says 3 h 58 min
